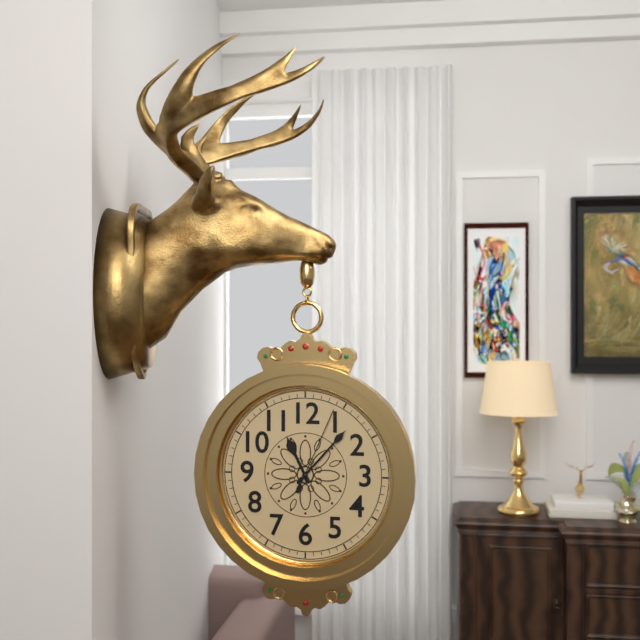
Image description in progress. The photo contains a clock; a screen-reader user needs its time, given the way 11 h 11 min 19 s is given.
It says 11 h 07 min 04 s
